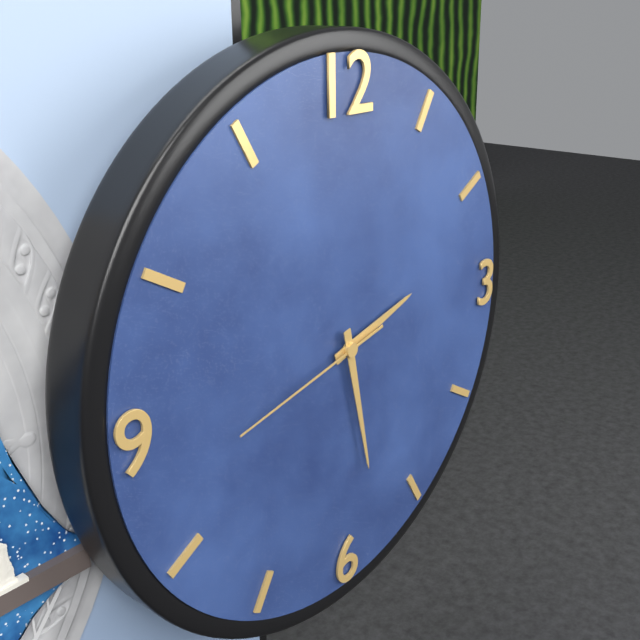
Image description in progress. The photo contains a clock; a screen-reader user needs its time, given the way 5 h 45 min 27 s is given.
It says 2 h 28 min 43 s
